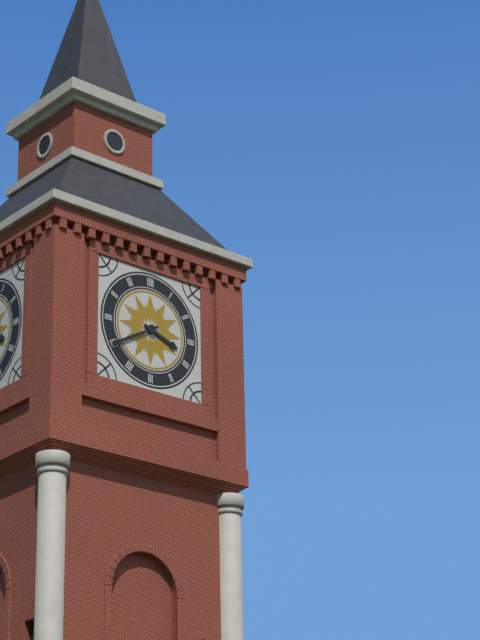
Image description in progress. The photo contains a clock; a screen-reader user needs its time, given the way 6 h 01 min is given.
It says 3 h 40 min
